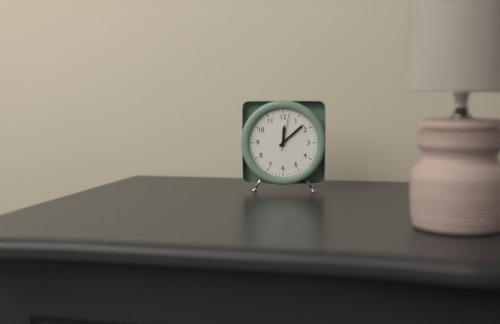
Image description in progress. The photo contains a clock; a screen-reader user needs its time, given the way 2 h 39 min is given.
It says 12 h 08 min
